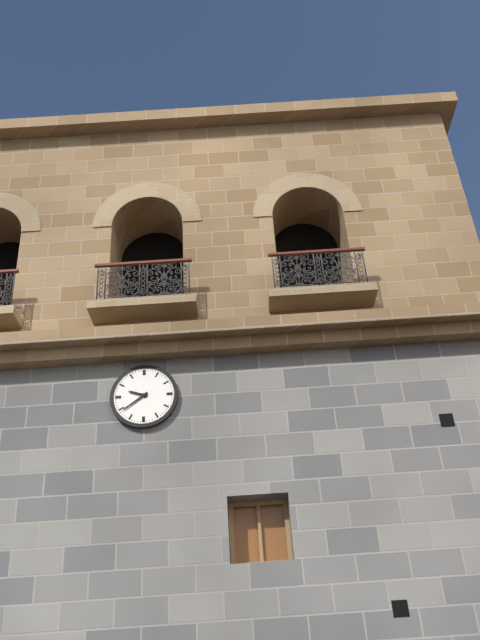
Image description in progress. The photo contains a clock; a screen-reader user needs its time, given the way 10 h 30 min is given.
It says 9 h 39 min
